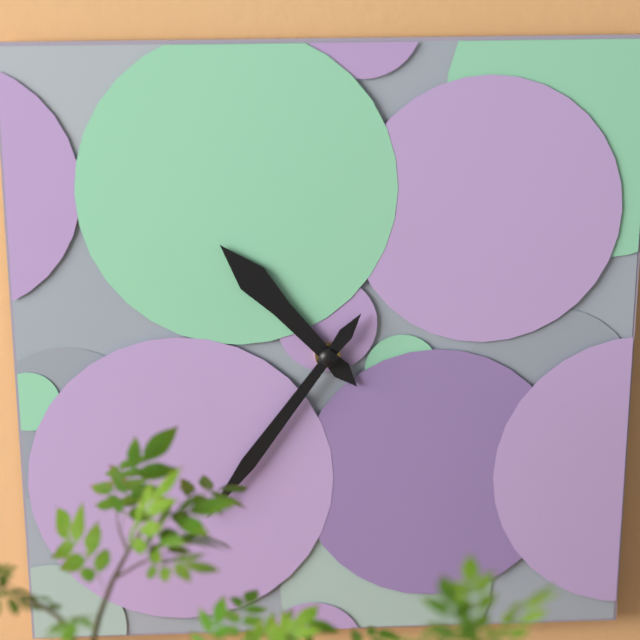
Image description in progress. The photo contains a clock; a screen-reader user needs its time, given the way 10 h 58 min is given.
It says 10 h 36 min
